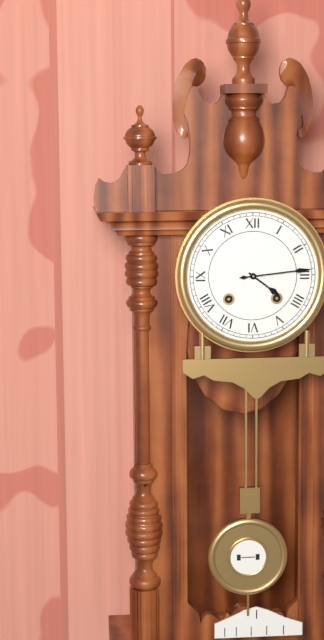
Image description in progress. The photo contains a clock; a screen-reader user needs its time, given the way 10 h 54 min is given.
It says 4 h 14 min
